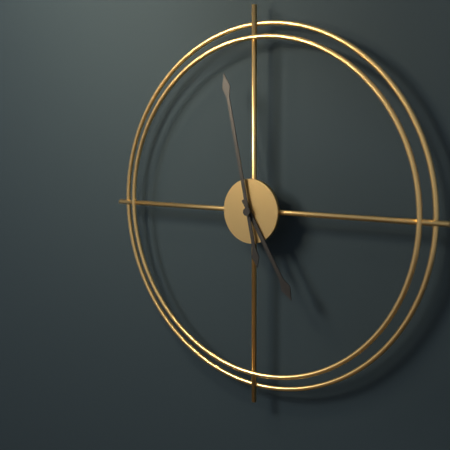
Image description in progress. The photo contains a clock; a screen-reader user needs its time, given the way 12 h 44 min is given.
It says 4 h 58 min
